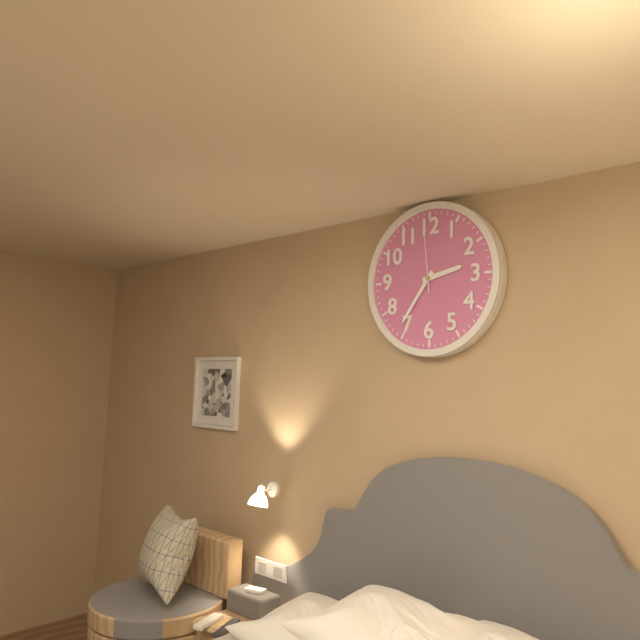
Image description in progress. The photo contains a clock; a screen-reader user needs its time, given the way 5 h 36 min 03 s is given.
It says 2 h 36 min 59 s
